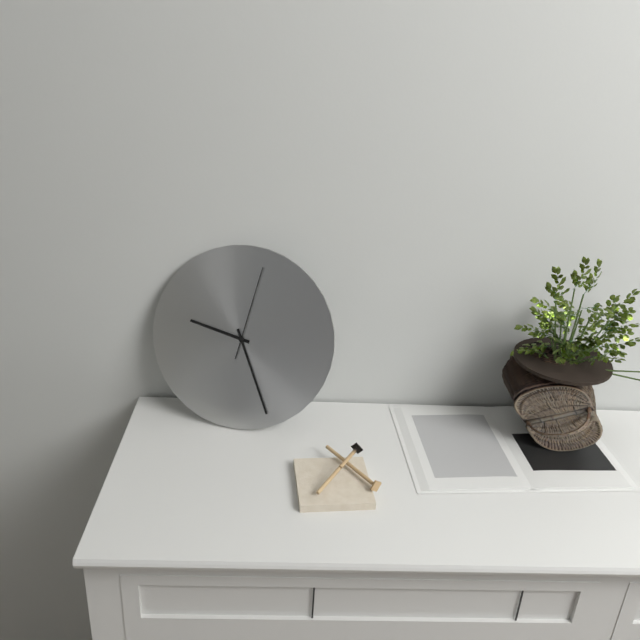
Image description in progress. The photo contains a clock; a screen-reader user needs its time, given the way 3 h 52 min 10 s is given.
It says 9 h 26 min 02 s
